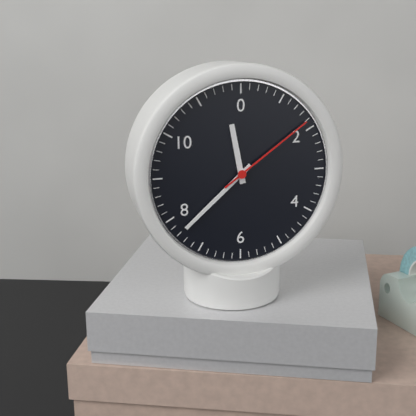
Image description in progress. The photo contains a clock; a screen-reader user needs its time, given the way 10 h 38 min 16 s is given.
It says 11 h 38 min 09 s
